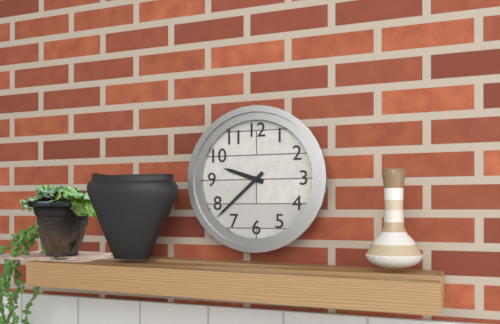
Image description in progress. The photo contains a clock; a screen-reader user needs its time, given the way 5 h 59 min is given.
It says 9 h 38 min
